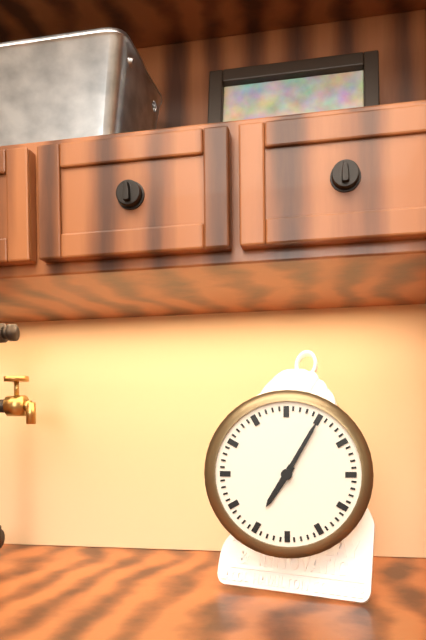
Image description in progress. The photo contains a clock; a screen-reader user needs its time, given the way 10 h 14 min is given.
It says 7 h 05 min
